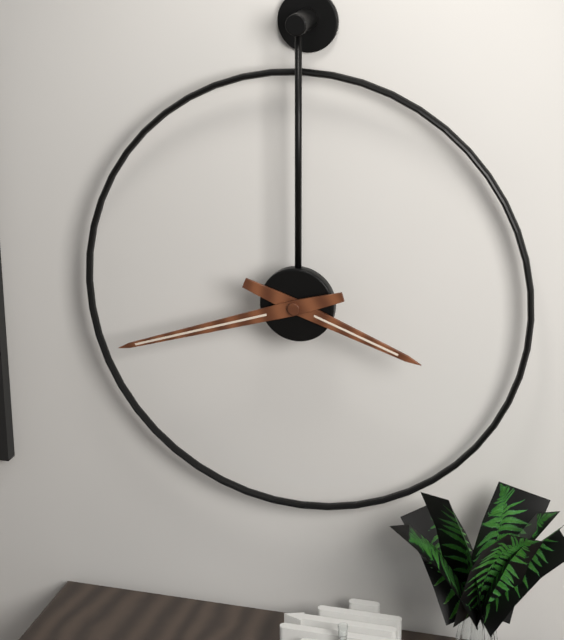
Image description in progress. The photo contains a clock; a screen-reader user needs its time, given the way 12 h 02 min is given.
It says 3 h 42 min
